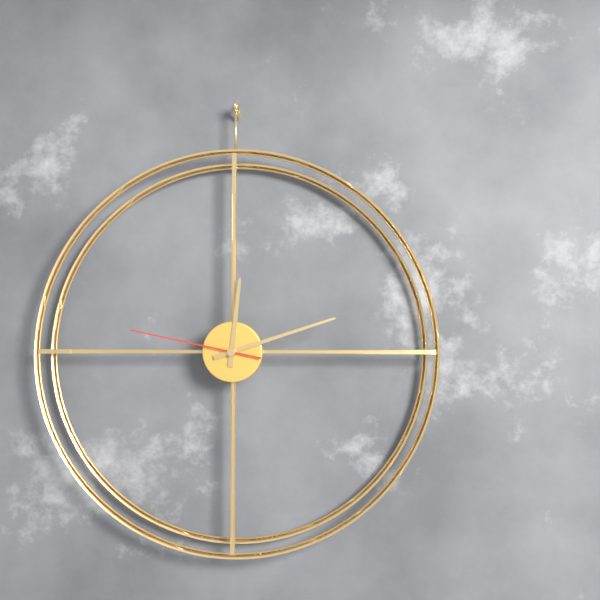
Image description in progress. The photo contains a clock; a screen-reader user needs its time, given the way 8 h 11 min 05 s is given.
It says 12 h 12 min 47 s
